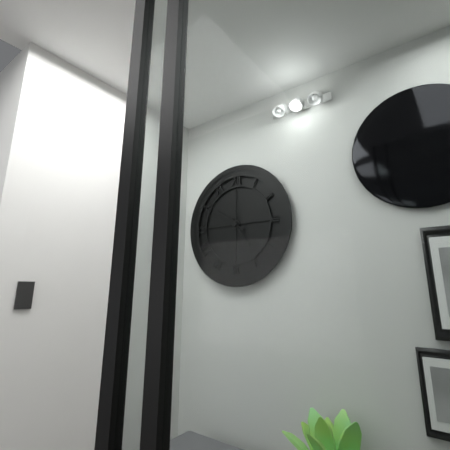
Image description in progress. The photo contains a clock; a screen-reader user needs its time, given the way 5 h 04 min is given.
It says 4 h 51 min
